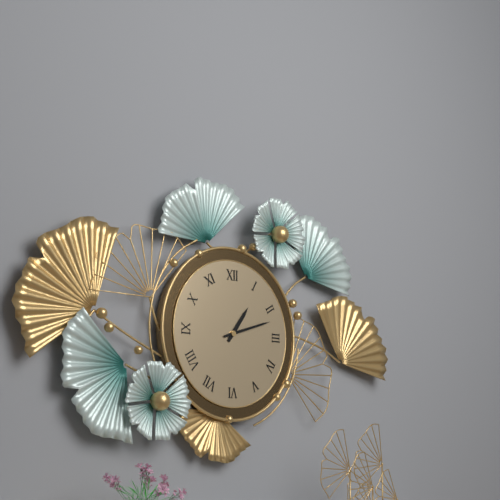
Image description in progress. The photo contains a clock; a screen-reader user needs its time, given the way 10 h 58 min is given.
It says 1 h 12 min
